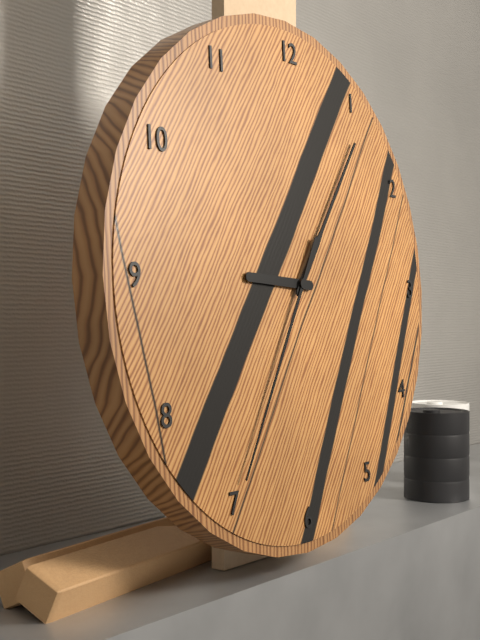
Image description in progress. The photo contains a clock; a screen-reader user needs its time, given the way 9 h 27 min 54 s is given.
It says 9 h 06 min 35 s
